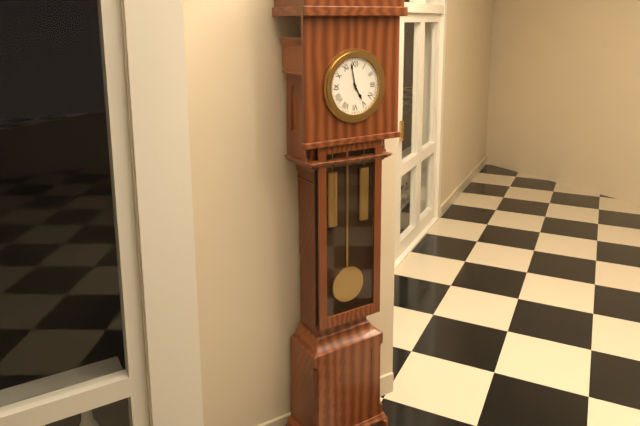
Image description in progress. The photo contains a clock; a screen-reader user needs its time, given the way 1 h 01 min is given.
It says 4 h 58 min
